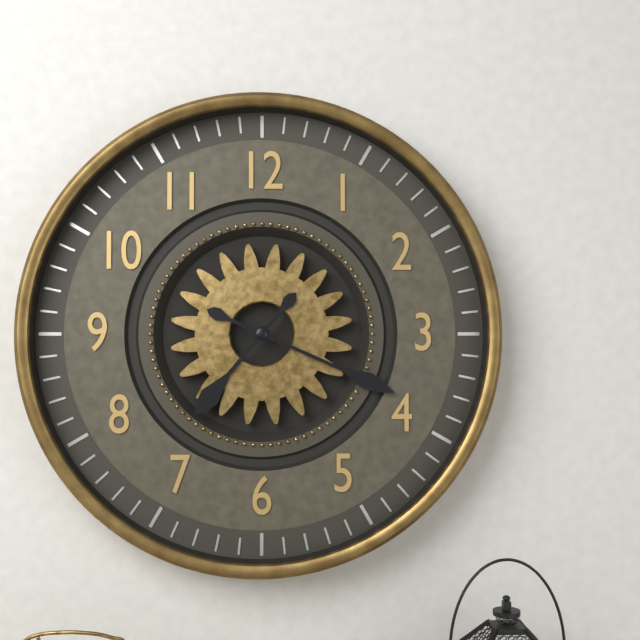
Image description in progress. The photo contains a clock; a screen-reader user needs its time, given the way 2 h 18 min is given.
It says 7 h 19 min
